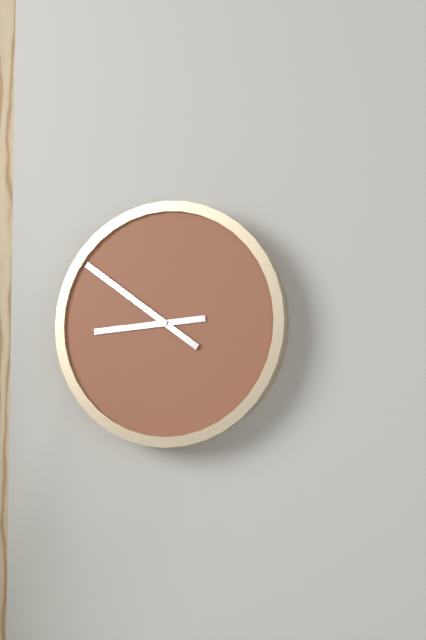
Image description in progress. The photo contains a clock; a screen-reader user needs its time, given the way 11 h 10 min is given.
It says 8 h 51 min
